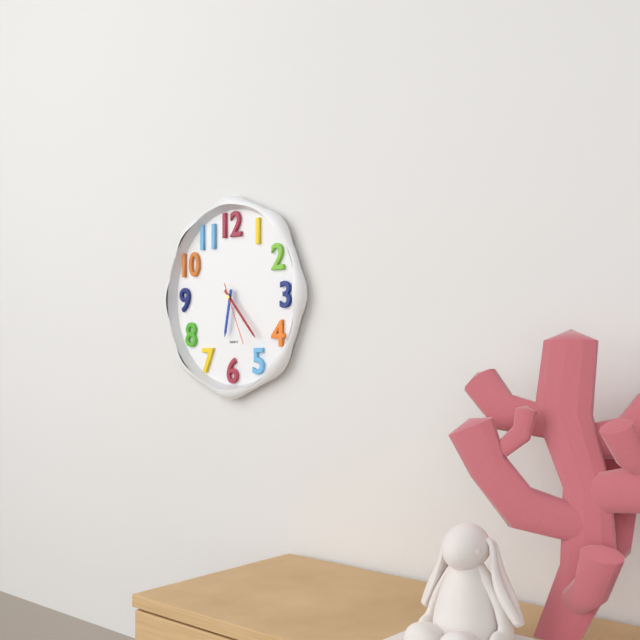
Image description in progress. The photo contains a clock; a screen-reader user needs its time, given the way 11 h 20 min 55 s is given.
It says 6 h 23 min 26 s
